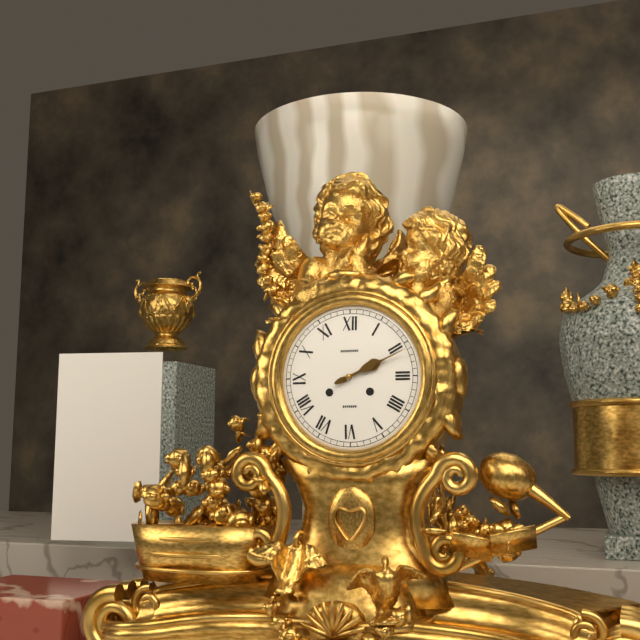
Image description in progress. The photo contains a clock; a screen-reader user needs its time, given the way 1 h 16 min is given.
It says 2 h 11 min
